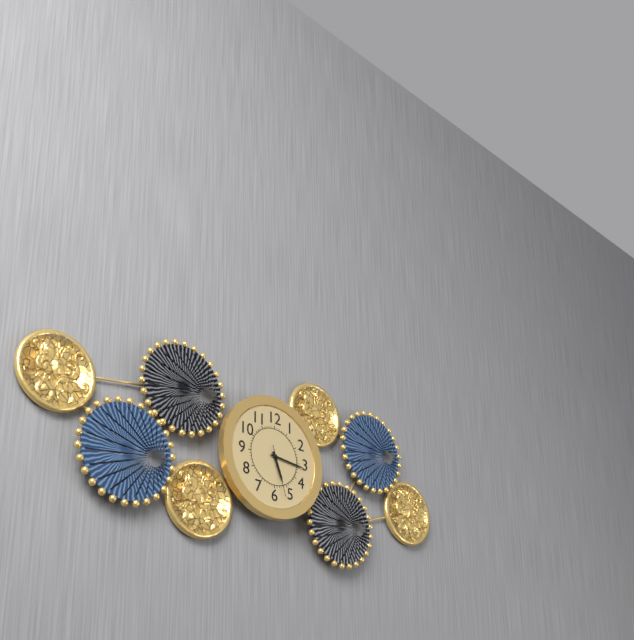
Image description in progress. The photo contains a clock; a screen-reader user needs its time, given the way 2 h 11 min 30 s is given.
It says 5 h 16 min 27 s
